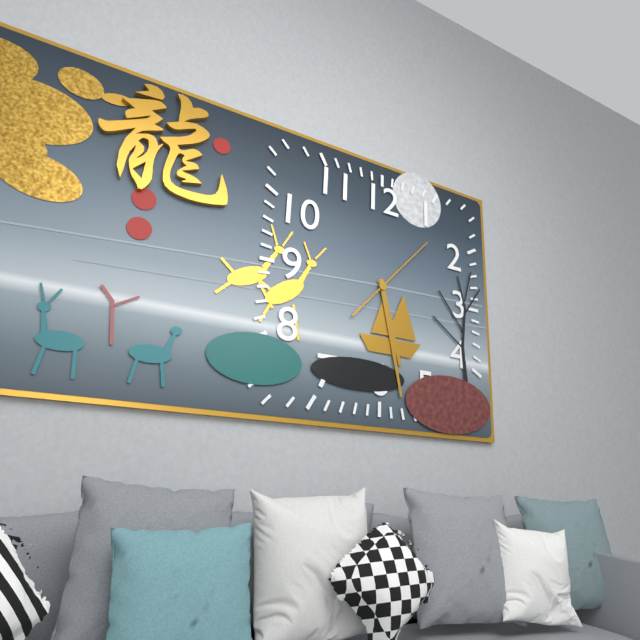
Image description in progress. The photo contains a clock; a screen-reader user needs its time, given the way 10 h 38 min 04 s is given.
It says 5 h 28 min 07 s
